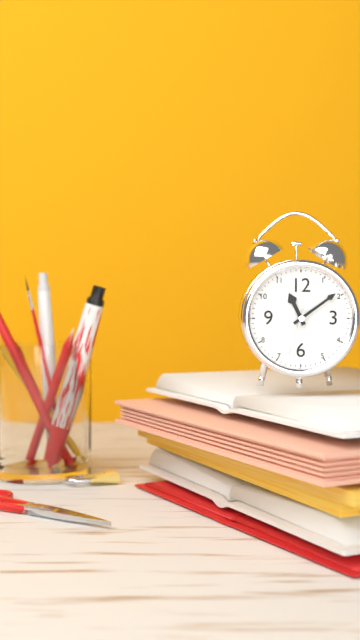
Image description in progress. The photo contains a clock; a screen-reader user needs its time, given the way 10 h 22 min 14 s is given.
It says 11 h 09 min 33 s
